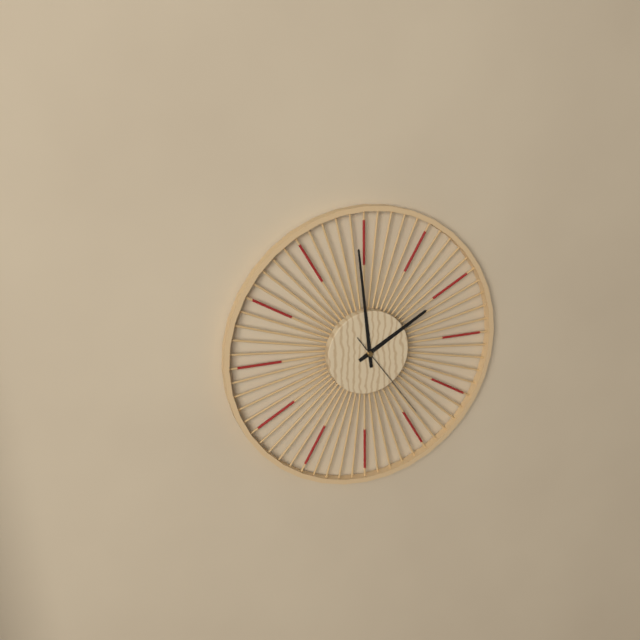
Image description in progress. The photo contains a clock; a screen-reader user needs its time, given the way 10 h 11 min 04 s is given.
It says 1 h 59 min 24 s
